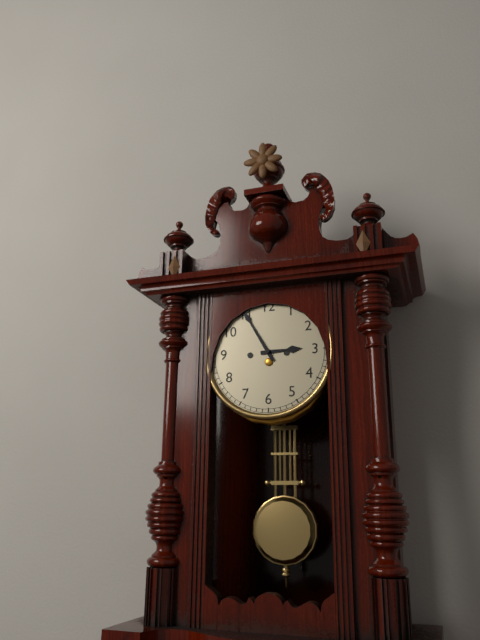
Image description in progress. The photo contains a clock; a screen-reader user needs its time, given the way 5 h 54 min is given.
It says 2 h 55 min
